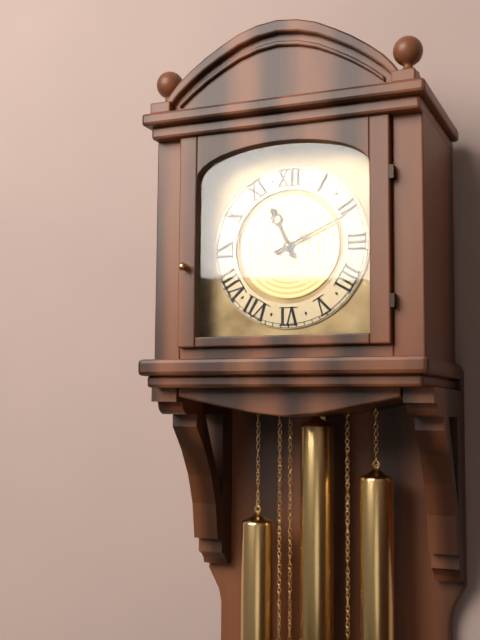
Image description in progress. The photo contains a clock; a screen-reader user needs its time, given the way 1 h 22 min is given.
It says 11 h 11 min
